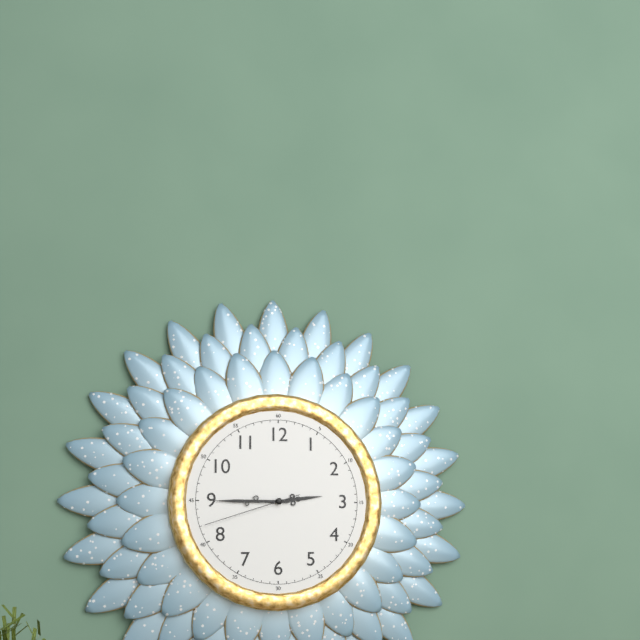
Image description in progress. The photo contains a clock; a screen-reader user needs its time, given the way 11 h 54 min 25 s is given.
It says 2 h 45 min 42 s
